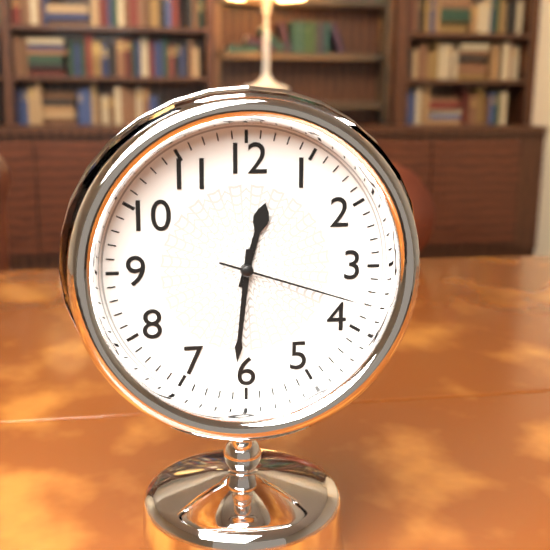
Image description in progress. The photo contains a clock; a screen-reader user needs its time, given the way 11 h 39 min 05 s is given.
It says 12 h 31 min 18 s
